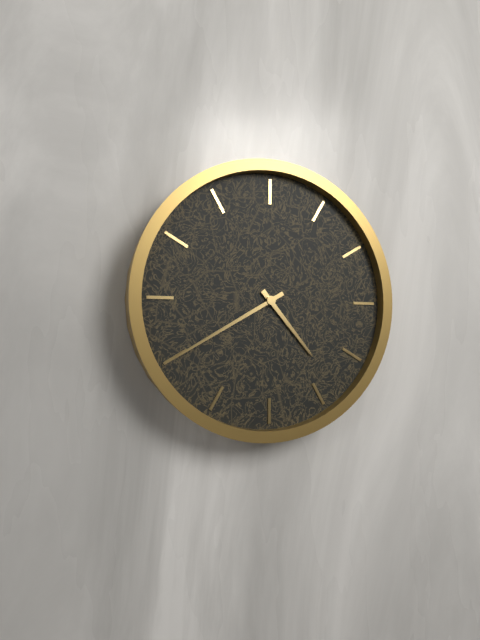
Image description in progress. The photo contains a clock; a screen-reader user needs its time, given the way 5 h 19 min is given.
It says 4 h 40 min
